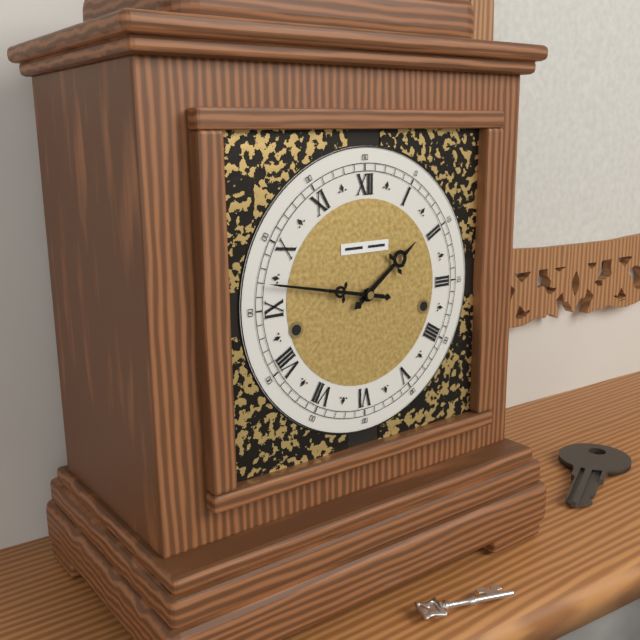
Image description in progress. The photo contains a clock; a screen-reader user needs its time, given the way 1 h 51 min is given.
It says 1 h 47 min
